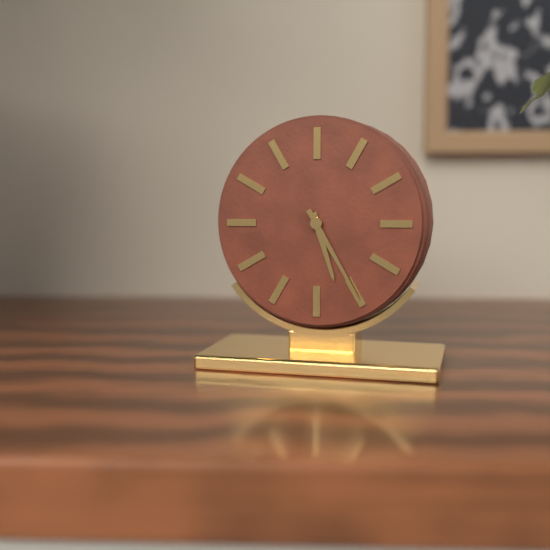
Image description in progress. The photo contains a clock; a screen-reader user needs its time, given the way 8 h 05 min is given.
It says 5 h 25 min
